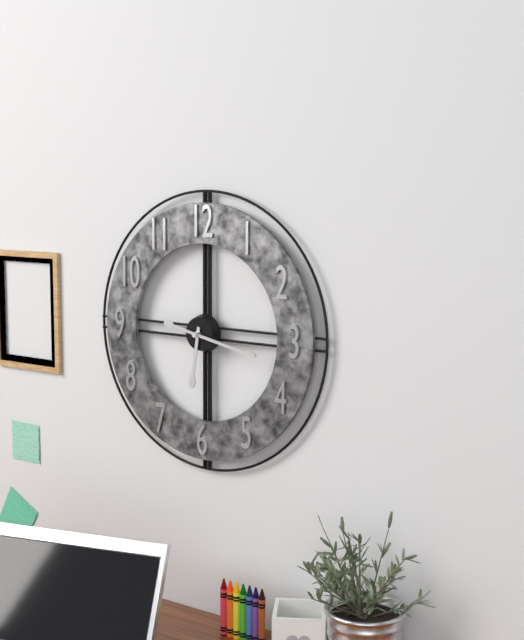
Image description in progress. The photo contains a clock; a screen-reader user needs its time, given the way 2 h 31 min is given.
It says 6 h 17 min
